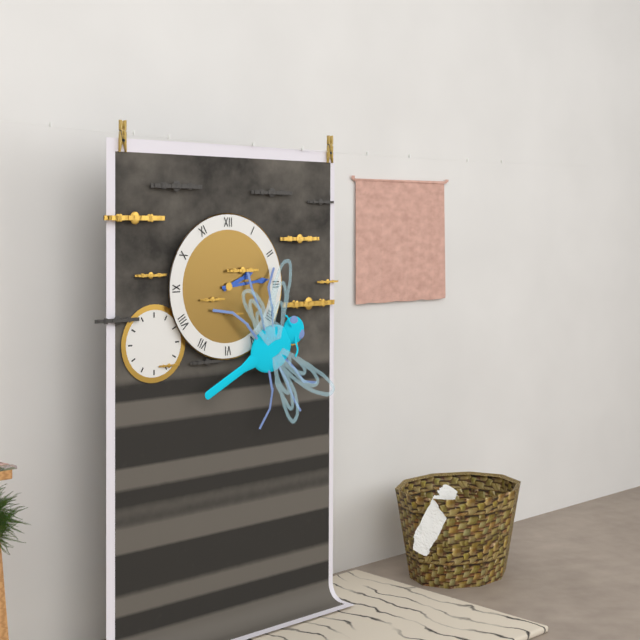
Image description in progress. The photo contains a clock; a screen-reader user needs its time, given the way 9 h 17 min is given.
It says 2 h 14 min
